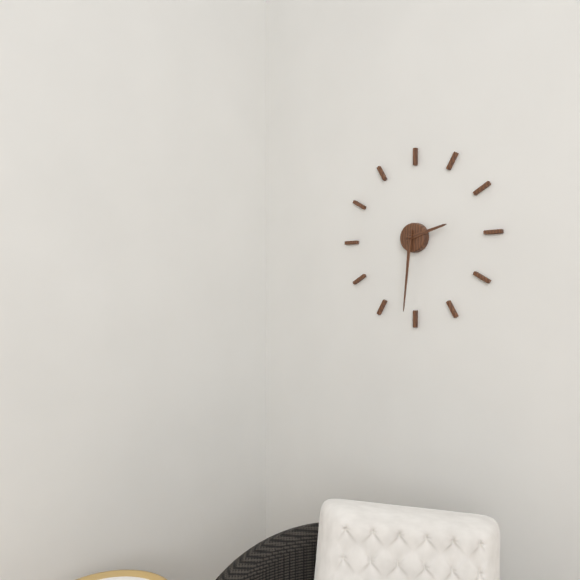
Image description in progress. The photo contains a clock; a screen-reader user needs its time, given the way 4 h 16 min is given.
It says 2 h 31 min
